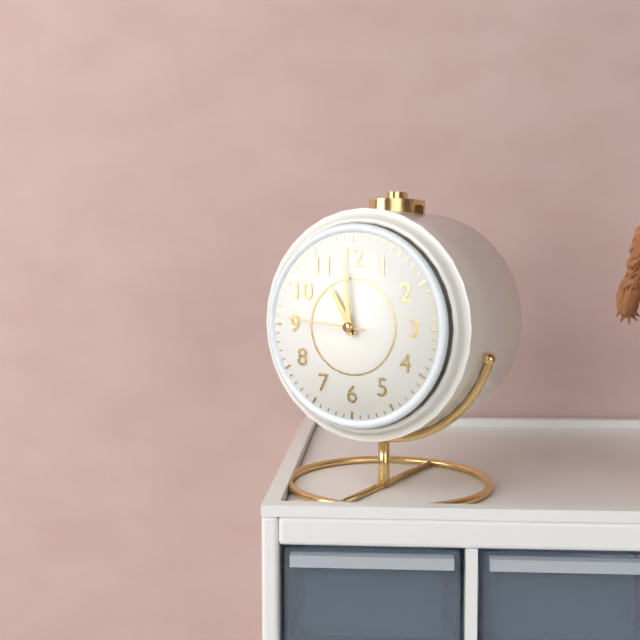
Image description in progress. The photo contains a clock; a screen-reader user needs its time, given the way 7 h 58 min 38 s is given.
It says 10 h 59 min 46 s
